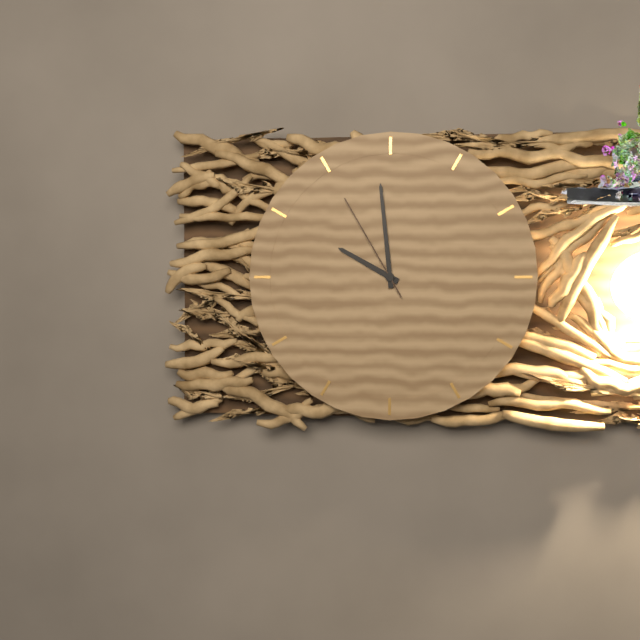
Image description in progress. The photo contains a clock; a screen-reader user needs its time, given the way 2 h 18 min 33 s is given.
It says 9 h 59 min 55 s
